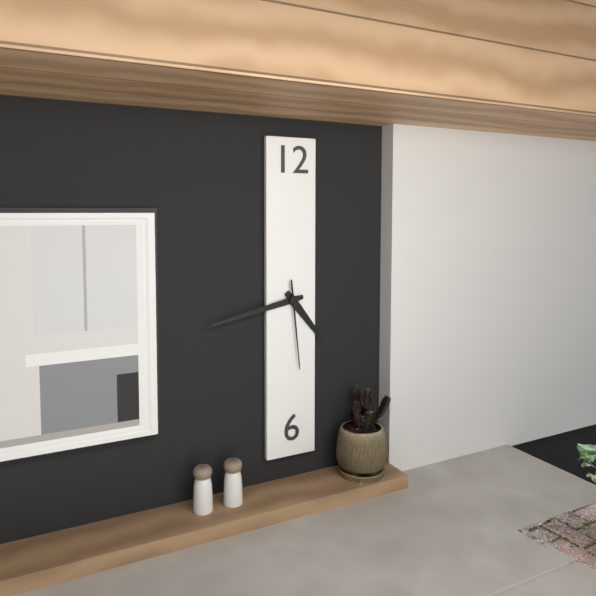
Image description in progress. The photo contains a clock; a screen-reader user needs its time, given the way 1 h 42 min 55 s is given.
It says 4 h 43 min 29 s
